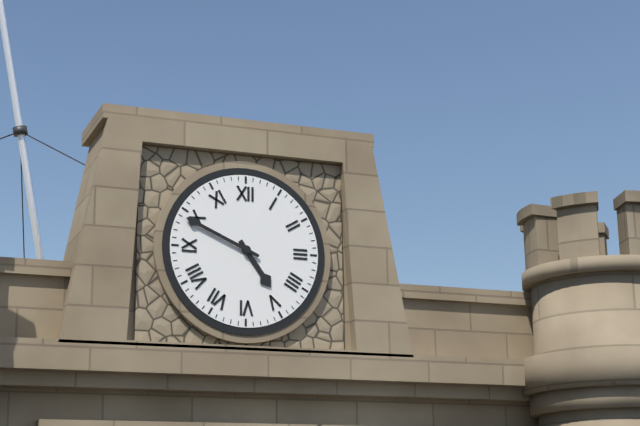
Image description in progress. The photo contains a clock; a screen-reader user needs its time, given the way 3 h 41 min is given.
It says 4 h 49 min
